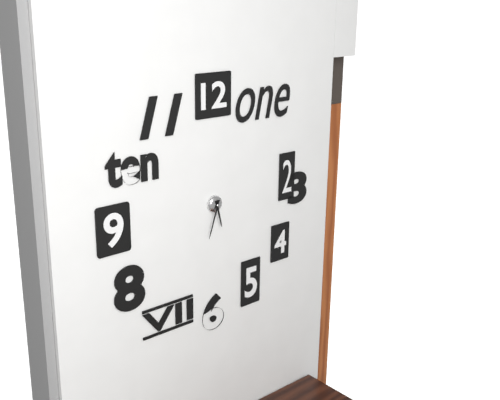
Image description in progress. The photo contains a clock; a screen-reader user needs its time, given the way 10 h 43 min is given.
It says 5 h 33 min
